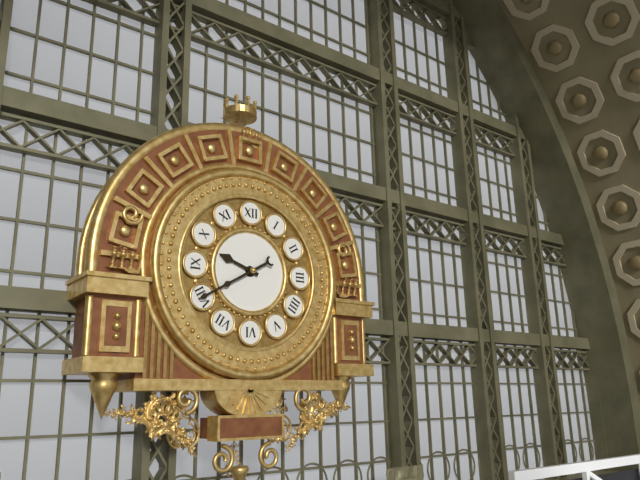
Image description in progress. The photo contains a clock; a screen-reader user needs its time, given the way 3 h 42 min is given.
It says 9 h 40 min
